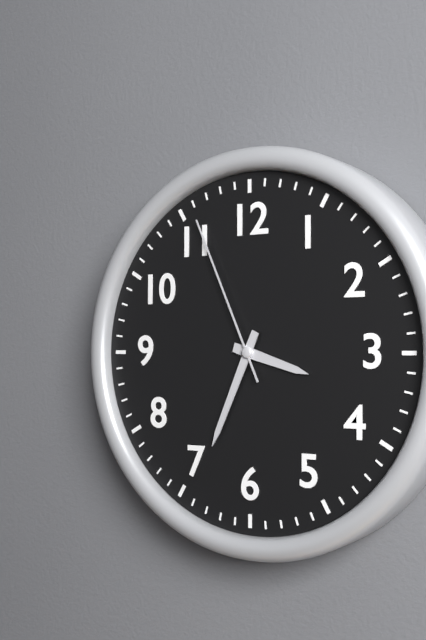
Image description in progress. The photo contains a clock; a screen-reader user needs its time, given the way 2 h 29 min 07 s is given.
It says 3 h 34 min 56 s
